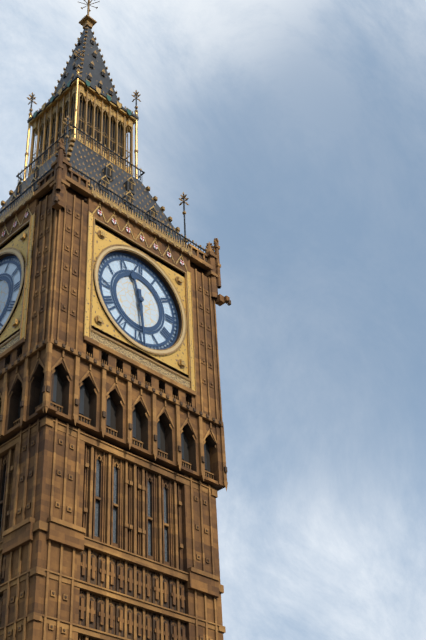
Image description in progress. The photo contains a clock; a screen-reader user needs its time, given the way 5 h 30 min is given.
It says 11 h 29 min
